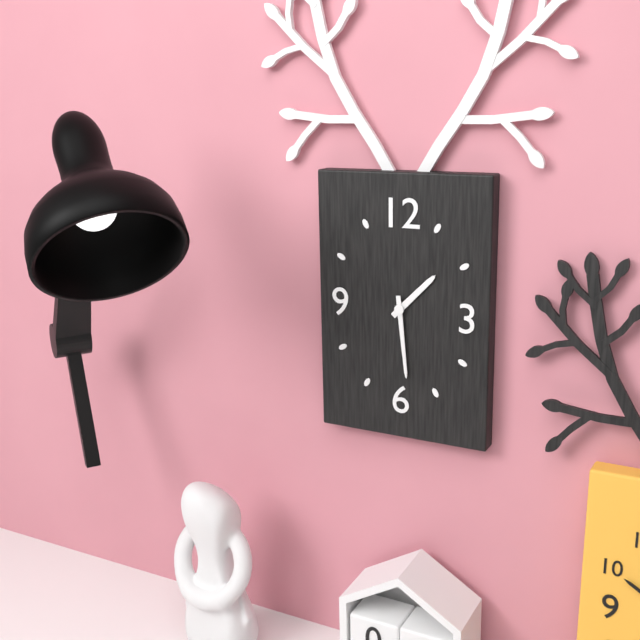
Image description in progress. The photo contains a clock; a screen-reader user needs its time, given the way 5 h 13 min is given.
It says 1 h 29 min
